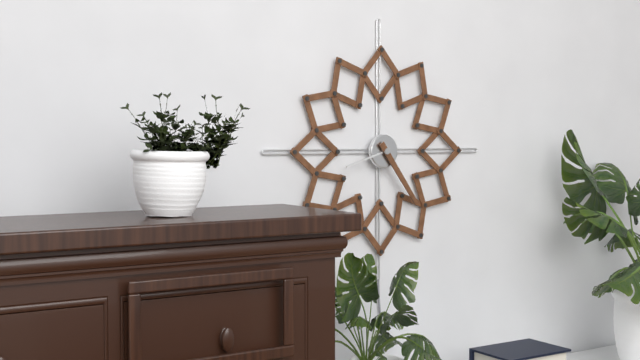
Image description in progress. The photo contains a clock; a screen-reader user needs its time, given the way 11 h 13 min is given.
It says 8 h 24 min
